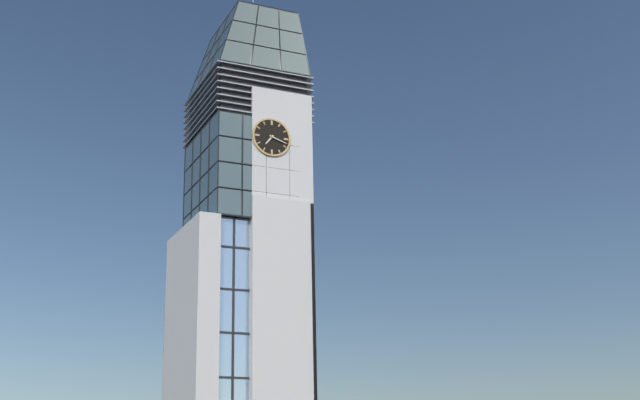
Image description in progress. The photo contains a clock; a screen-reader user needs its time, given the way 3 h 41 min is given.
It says 7 h 18 min
